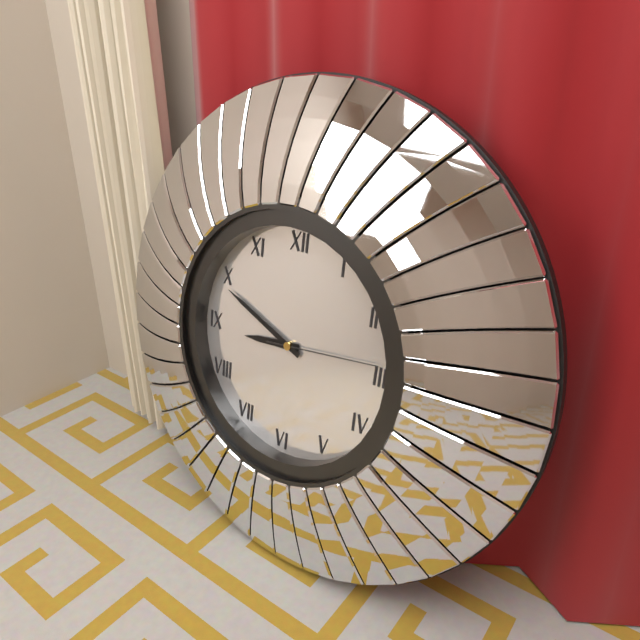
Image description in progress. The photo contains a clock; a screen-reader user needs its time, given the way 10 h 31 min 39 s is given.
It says 8 h 49 min 14 s
